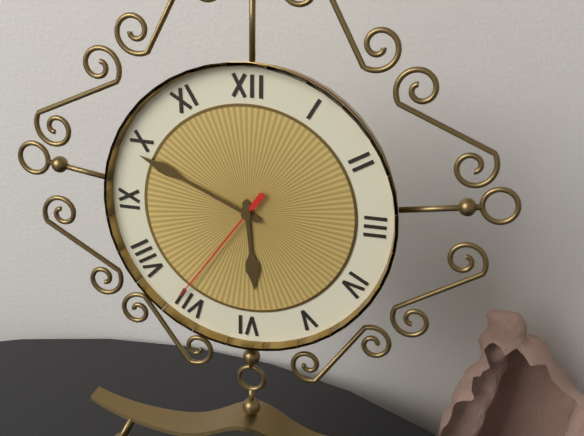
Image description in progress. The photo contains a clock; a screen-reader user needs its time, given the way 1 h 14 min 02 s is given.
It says 5 h 49 min 36 s
